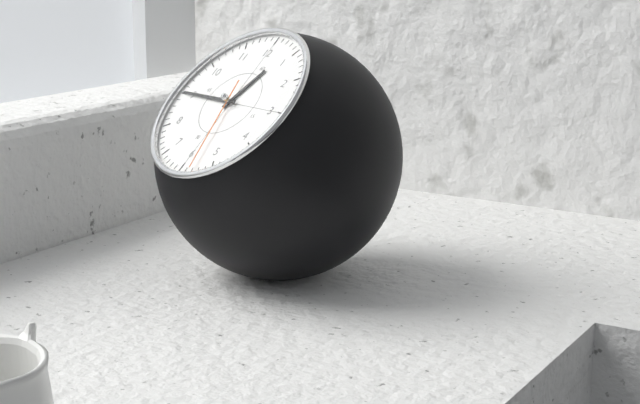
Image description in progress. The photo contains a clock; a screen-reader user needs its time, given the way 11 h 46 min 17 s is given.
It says 12 h 45 min 28 s
